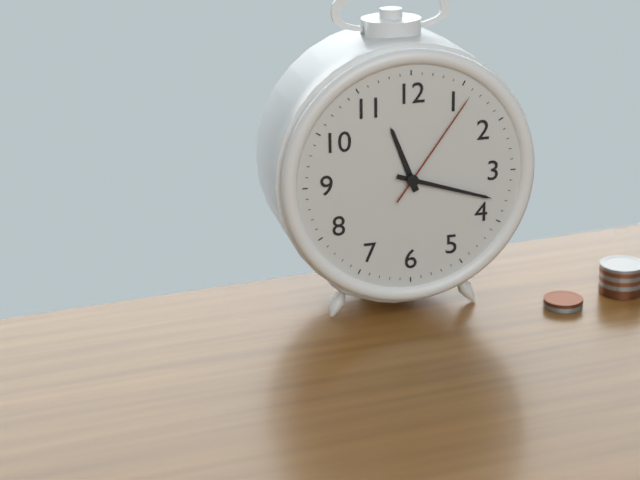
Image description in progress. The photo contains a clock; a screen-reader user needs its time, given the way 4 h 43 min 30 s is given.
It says 11 h 18 min 06 s
